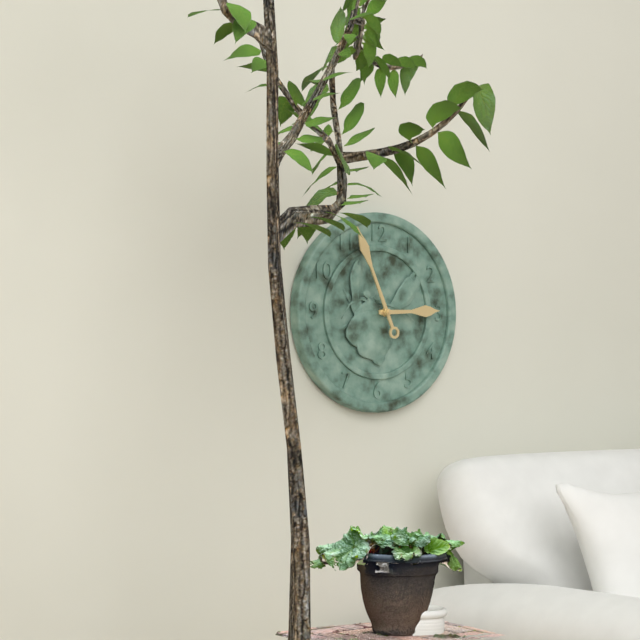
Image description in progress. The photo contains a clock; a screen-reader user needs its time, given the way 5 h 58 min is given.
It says 2 h 56 min
